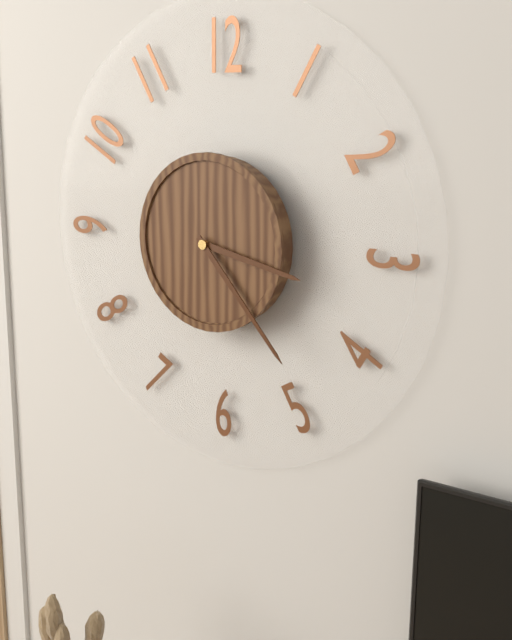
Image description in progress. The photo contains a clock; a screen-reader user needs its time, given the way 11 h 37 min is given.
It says 3 h 23 min
